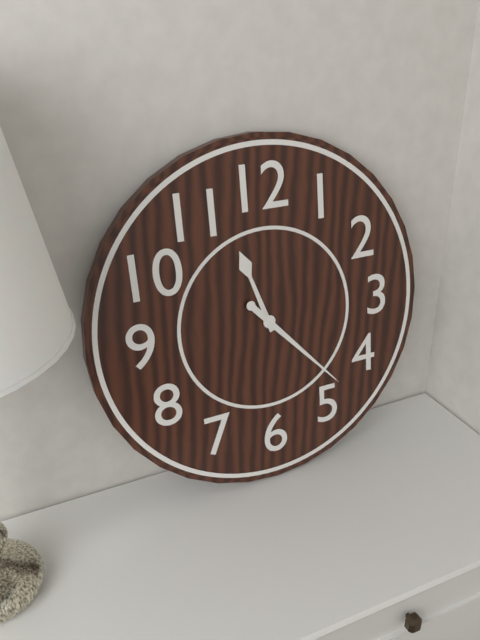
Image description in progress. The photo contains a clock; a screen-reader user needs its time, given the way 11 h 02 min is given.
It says 11 h 23 min
